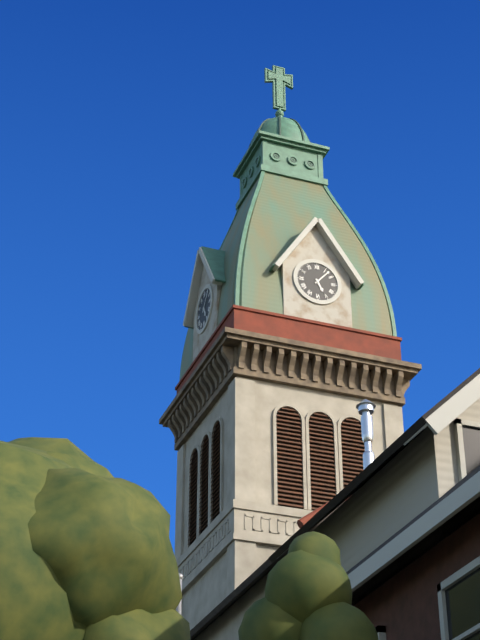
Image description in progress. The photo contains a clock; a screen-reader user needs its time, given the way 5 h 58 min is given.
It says 5 h 07 min
